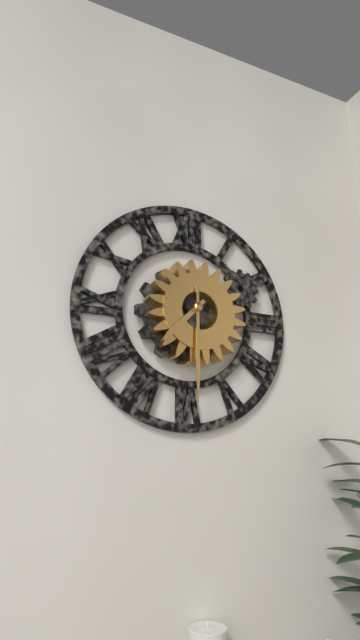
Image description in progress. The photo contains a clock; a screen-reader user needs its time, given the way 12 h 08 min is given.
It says 7 h 30 min
